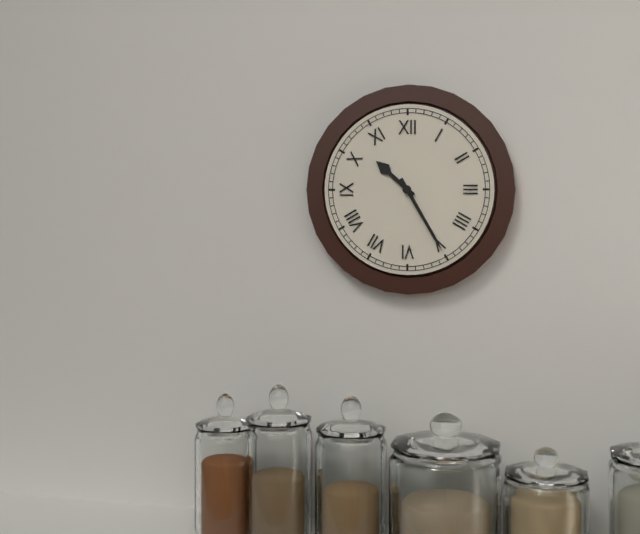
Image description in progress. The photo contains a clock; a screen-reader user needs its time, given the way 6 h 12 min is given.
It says 10 h 25 min
